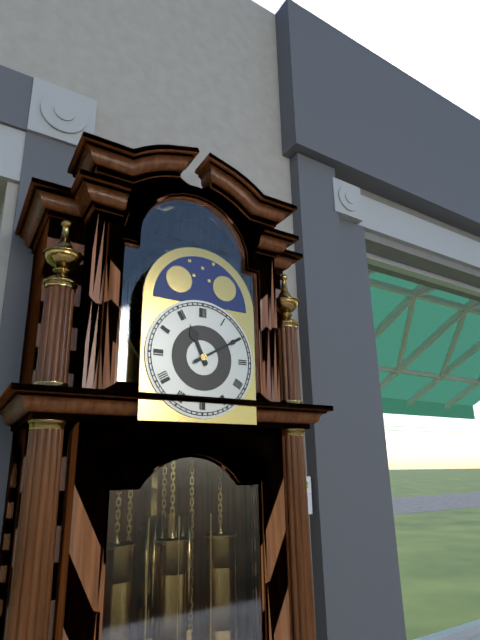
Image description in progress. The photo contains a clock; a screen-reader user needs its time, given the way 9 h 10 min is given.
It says 11 h 10 min
